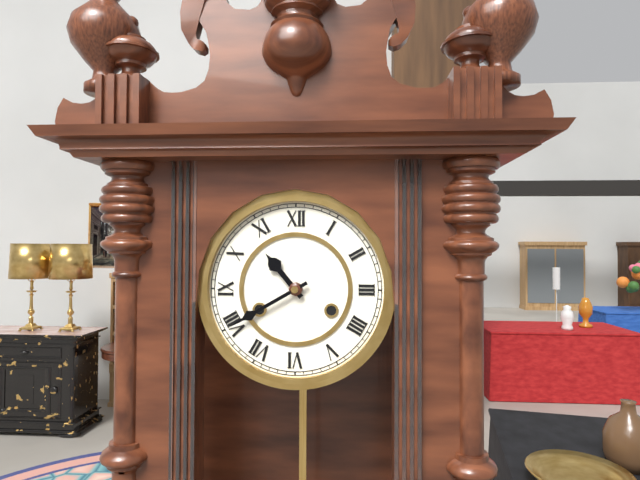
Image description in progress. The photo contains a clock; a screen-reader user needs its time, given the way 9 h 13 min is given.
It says 10 h 40 min
